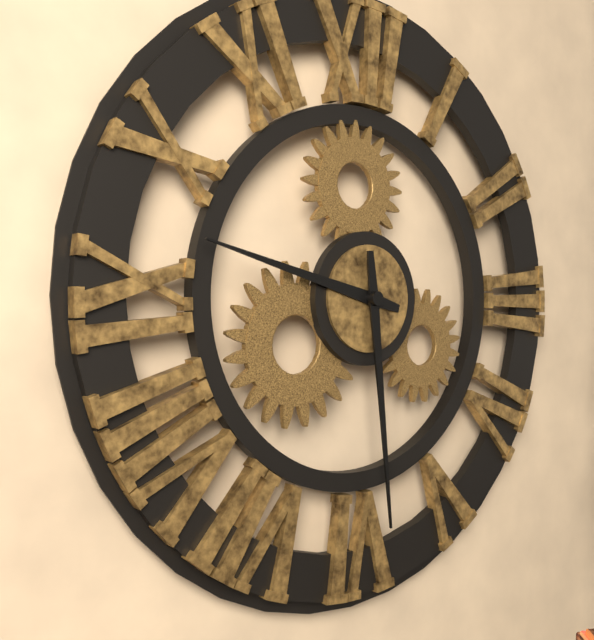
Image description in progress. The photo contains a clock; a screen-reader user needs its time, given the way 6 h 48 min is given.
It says 9 h 29 min
